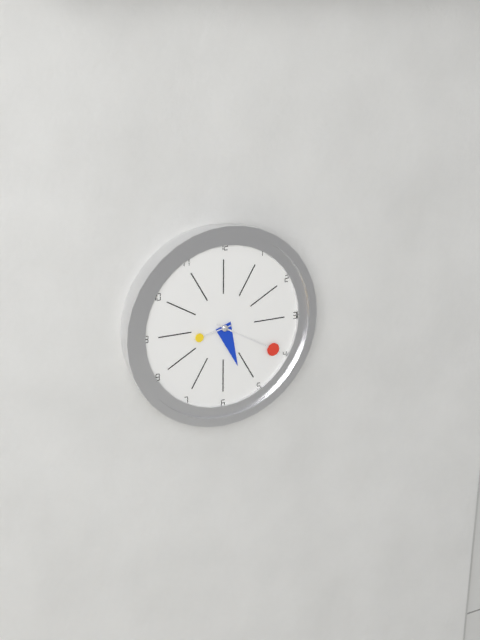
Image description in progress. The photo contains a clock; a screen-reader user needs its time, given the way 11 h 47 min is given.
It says 5 h 20 min
